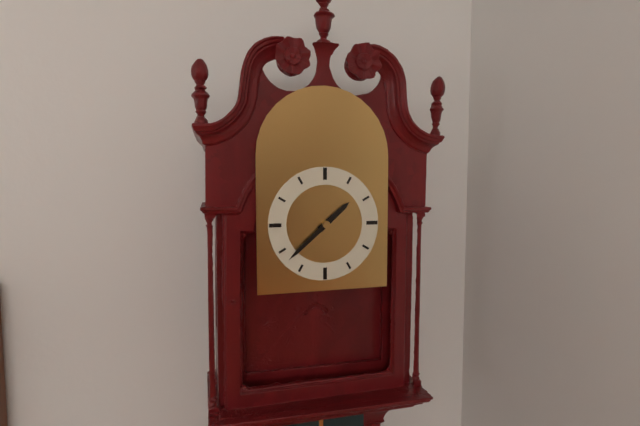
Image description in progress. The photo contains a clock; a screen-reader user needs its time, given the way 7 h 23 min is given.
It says 1 h 38 min
